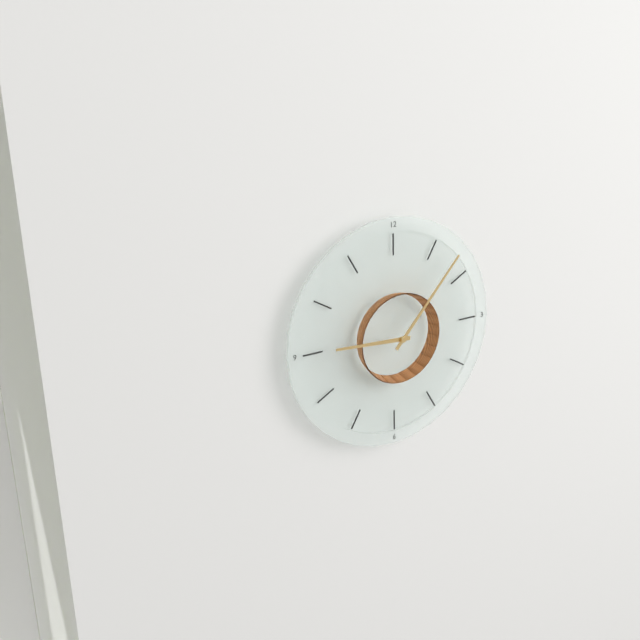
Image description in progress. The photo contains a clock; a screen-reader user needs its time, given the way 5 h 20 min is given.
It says 9 h 07 min
